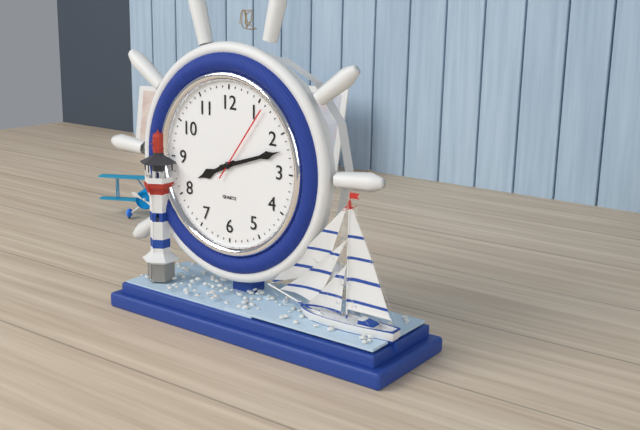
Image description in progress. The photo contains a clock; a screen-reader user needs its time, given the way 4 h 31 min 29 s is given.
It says 8 h 12 min 06 s
